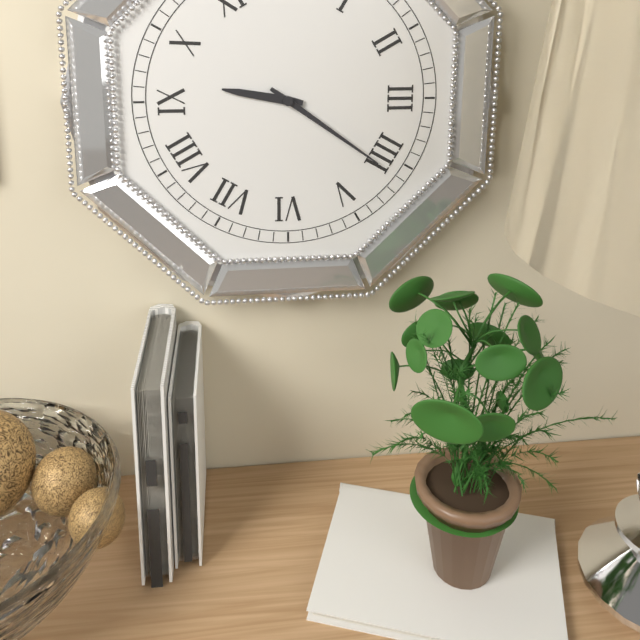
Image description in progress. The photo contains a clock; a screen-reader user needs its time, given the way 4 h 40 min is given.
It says 9 h 21 min
